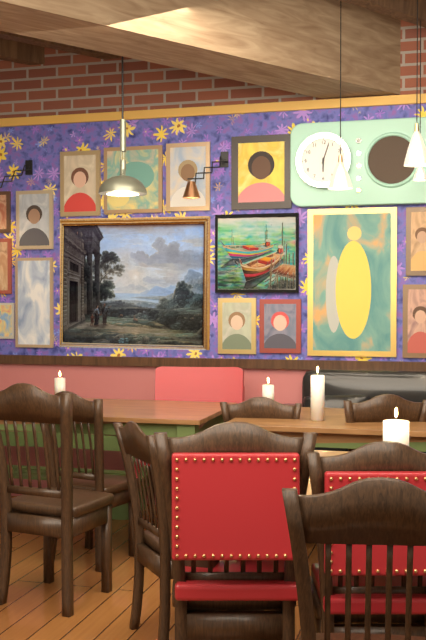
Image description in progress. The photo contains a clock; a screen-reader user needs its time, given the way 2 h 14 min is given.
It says 6 h 03 min
